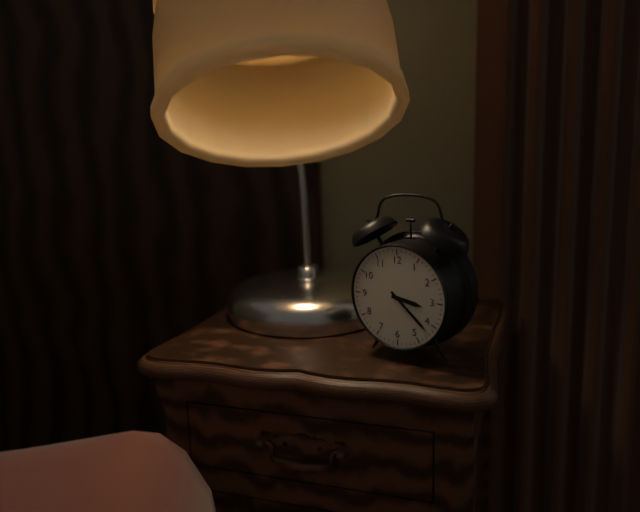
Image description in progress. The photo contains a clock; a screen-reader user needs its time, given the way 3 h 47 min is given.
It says 3 h 22 min
